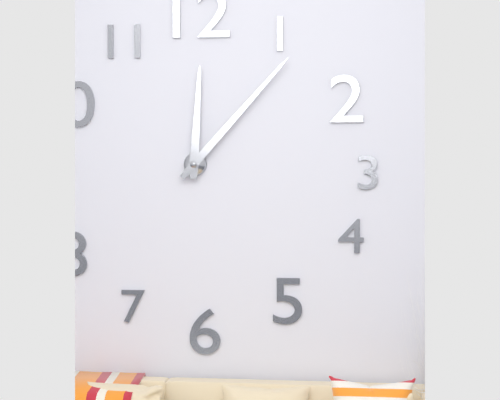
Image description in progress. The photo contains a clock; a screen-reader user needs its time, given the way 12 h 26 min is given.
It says 12 h 07 min
